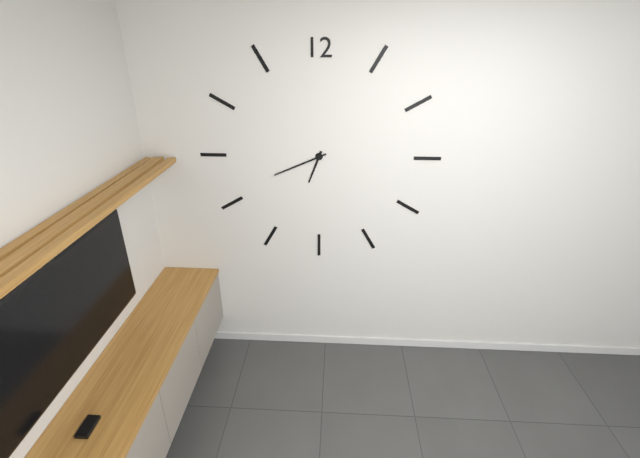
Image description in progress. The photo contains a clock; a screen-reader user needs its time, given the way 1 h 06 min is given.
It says 6 h 41 min
